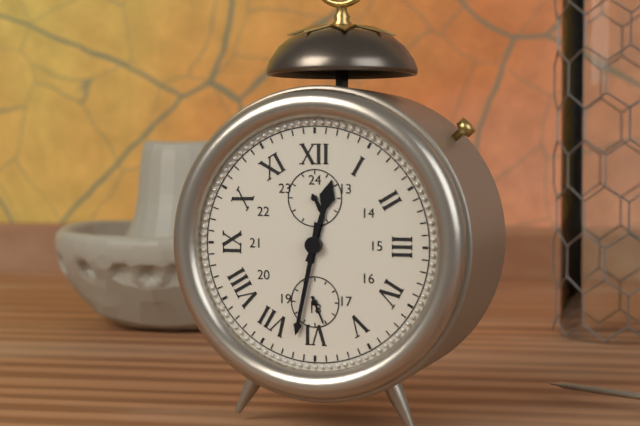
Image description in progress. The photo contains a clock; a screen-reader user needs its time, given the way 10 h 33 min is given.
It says 12 h 32 min
